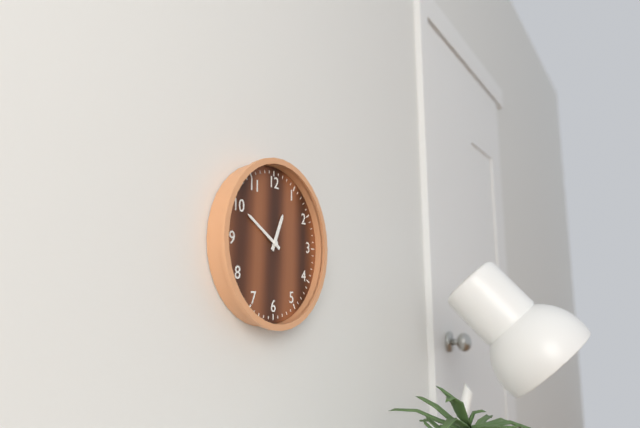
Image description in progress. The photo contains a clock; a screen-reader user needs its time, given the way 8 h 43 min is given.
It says 12 h 50 min
